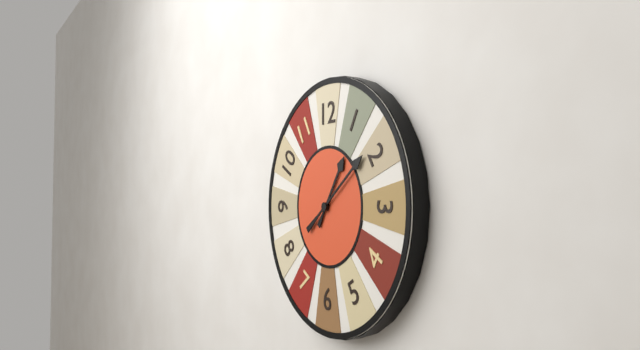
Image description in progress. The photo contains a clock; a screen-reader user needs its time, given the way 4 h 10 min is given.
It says 1 h 09 min
